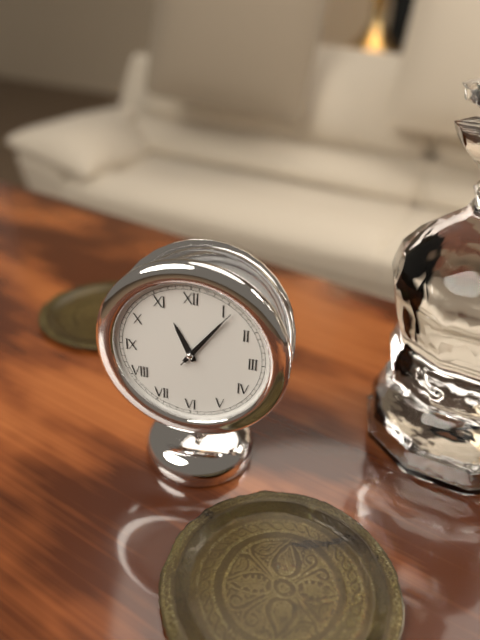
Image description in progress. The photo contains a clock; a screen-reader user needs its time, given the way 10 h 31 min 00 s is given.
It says 11 h 06 min 06 s
